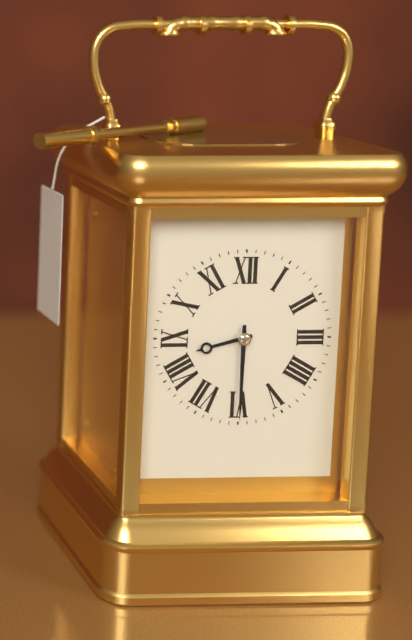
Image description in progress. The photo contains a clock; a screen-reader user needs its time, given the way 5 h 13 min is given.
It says 8 h 30 min
